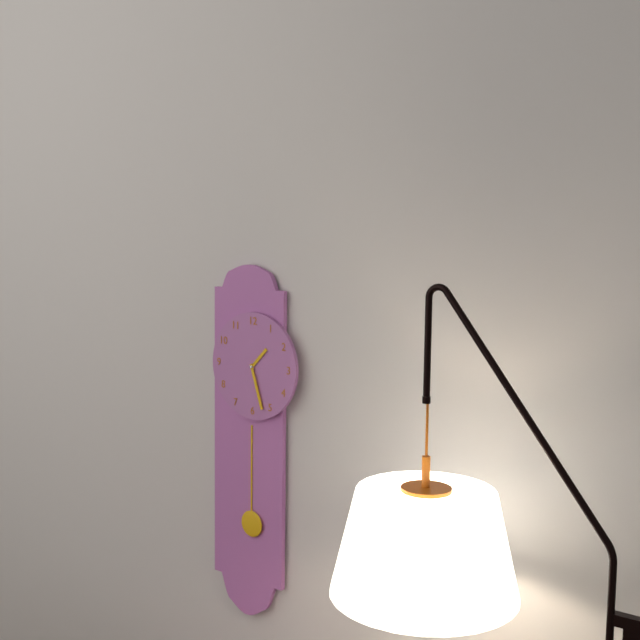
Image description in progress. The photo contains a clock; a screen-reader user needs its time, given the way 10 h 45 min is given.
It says 1 h 27 min
